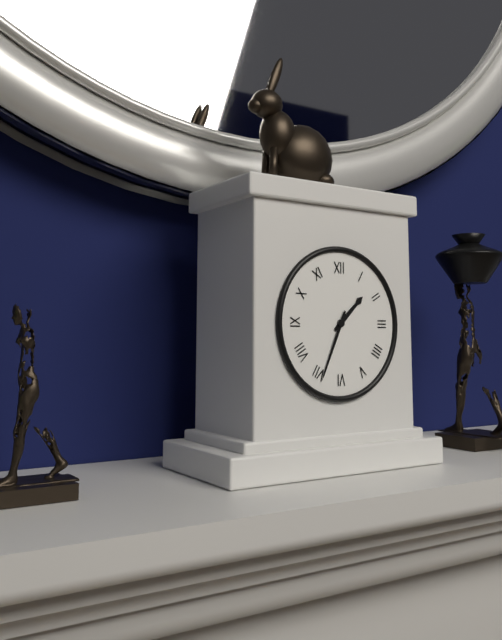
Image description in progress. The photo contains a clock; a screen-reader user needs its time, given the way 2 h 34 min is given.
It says 1 h 34 min
